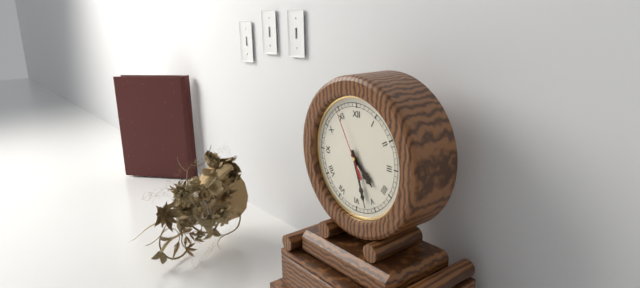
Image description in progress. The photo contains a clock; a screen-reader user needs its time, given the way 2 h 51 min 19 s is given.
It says 4 h 27 min 55 s
